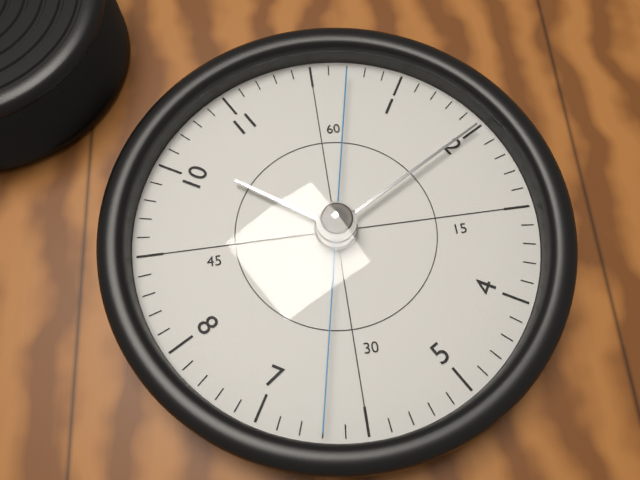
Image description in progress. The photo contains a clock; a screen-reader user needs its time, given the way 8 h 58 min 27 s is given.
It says 10 h 10 min 32 s
